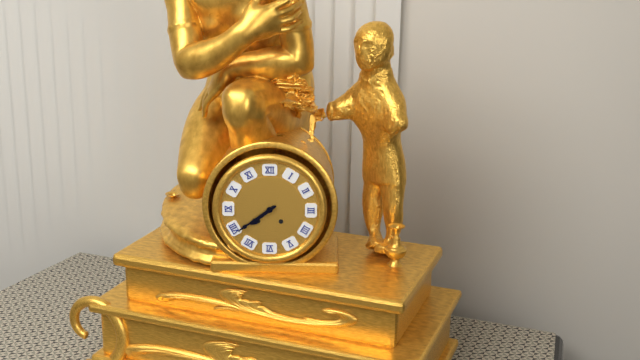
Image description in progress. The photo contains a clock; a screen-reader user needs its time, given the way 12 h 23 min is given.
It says 7 h 39 min
